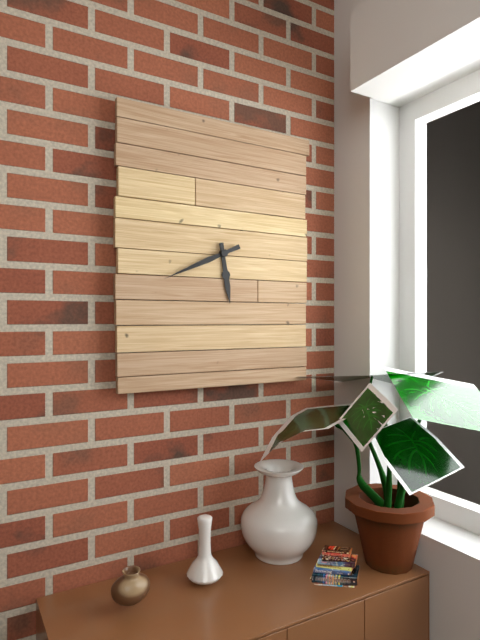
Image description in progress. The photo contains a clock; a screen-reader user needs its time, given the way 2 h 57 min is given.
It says 5 h 41 min
